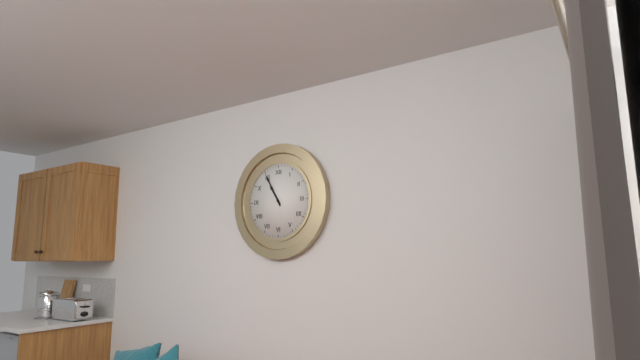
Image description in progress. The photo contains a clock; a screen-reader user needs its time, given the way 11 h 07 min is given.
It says 10 h 55 min
